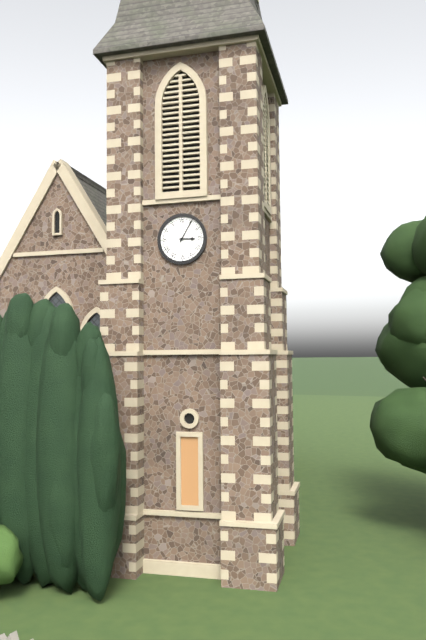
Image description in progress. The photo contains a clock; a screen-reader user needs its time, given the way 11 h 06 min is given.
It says 3 h 05 min
